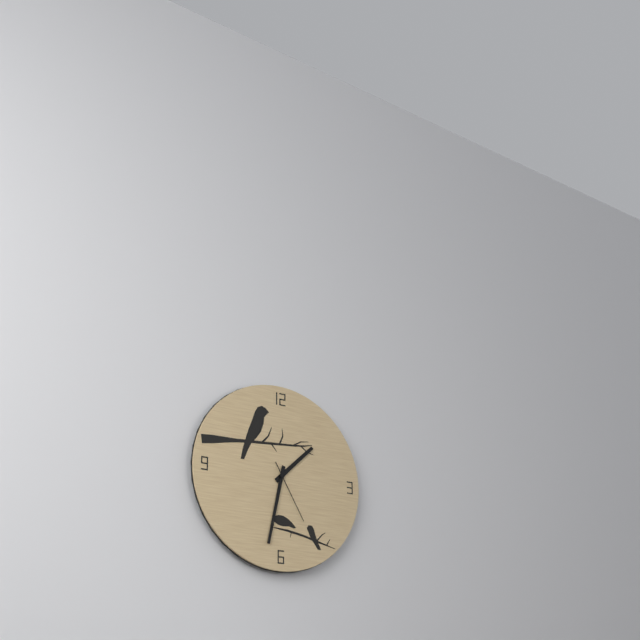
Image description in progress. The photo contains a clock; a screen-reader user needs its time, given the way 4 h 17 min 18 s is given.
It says 1 h 32 min 25 s
